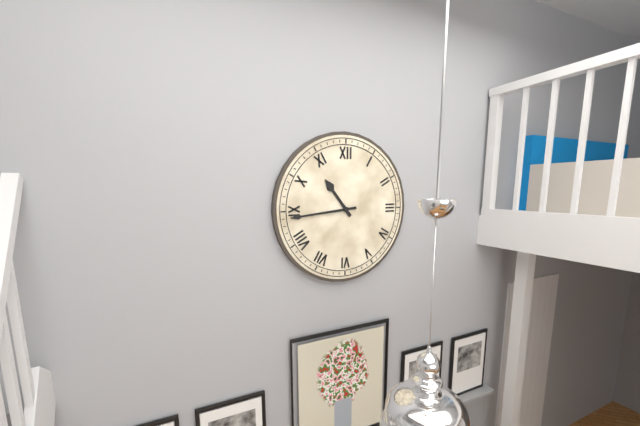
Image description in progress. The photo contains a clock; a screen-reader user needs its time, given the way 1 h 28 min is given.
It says 10 h 44 min
